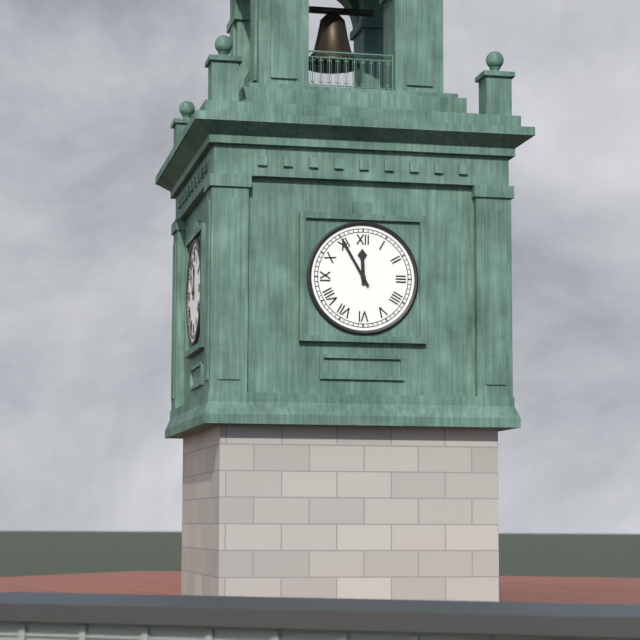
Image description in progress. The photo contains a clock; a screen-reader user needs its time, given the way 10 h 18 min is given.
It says 11 h 55 min
